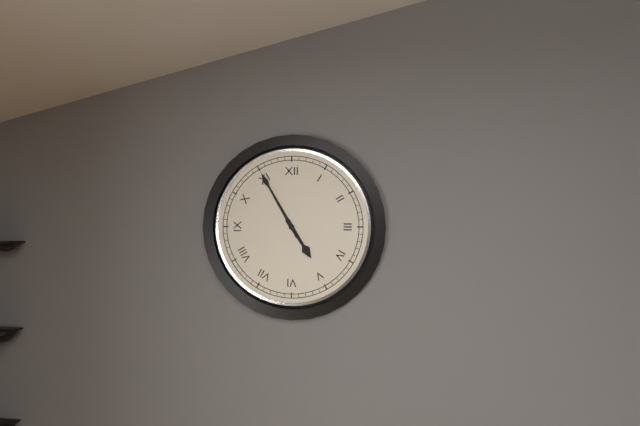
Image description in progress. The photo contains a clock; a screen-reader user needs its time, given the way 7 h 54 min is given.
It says 4 h 55 min
